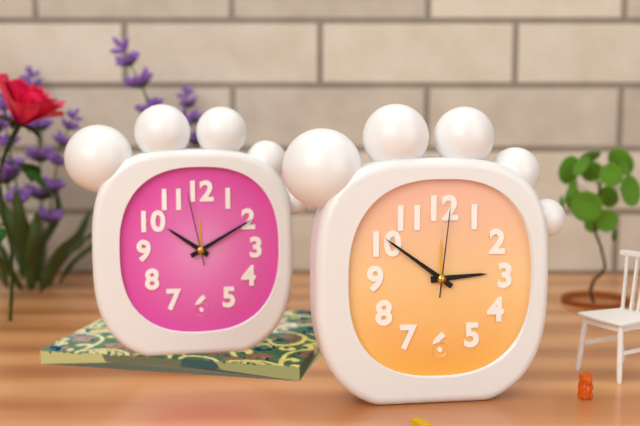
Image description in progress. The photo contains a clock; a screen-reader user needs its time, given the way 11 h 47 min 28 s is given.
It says 2 h 51 min 01 s
